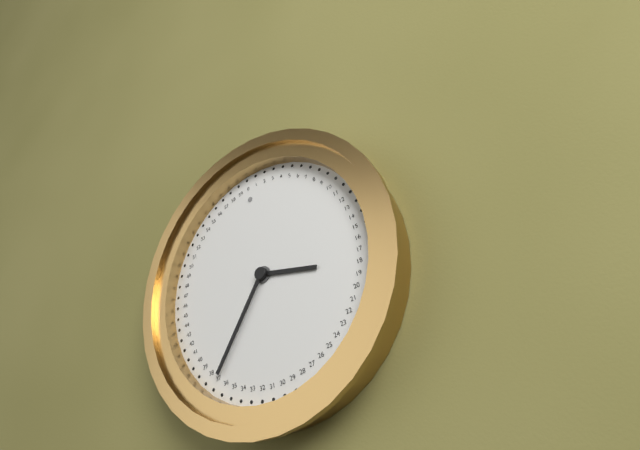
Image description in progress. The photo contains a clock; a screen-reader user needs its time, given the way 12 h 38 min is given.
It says 3 h 37 min
